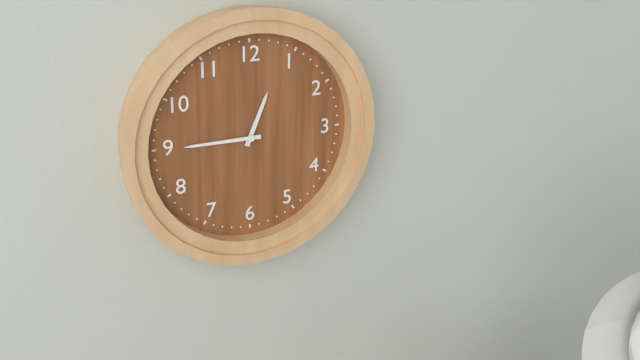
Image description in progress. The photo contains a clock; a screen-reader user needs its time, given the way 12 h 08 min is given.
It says 12 h 45 min
